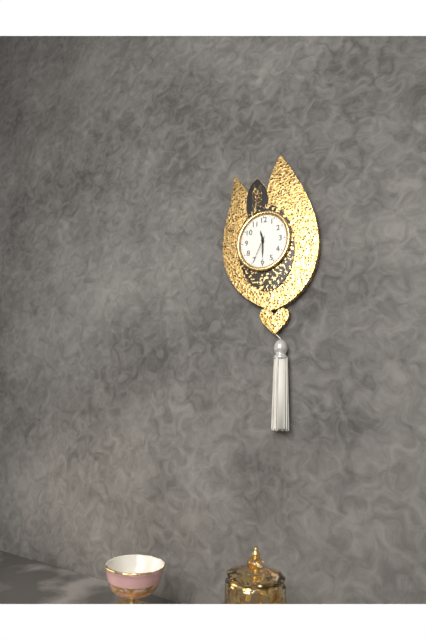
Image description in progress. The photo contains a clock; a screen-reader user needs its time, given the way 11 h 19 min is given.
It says 11 h 30 min
